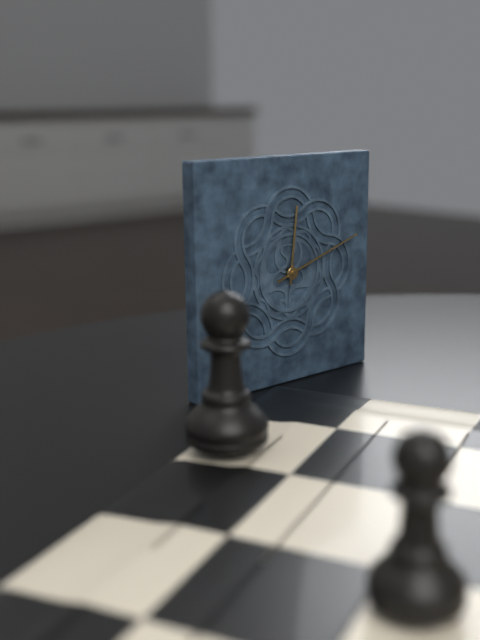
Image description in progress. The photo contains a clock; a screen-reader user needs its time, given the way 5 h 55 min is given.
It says 12 h 12 min
